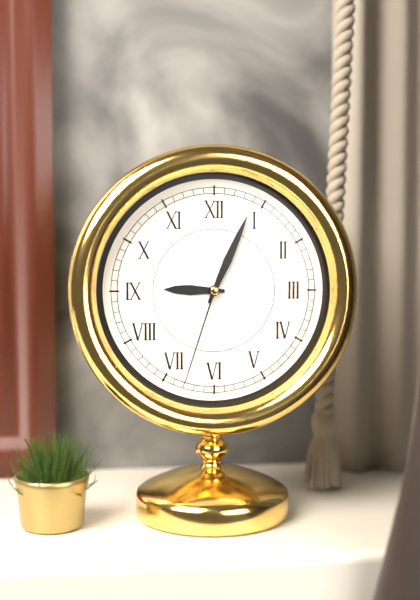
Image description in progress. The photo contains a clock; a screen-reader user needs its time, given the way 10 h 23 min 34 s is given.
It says 9 h 04 min 33 s
